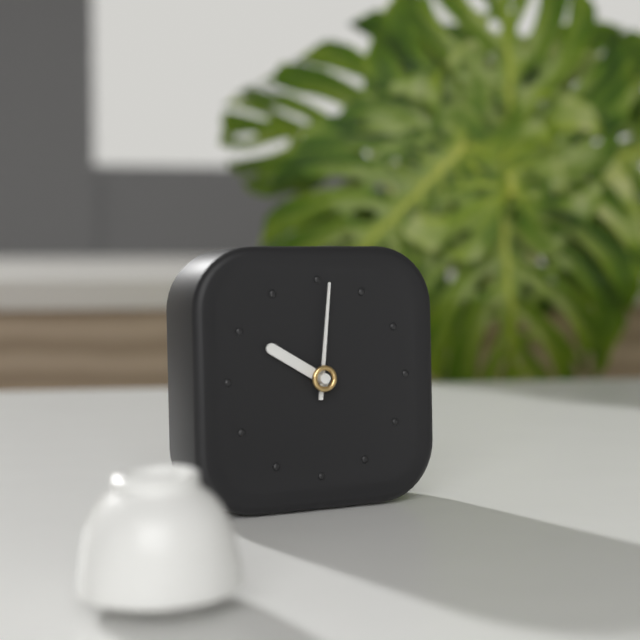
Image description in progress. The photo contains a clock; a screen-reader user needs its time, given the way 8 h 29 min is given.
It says 10 h 01 min
